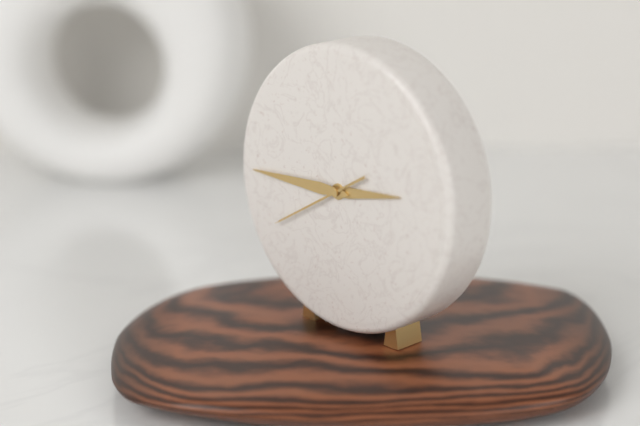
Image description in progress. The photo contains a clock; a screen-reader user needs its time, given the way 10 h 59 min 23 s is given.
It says 2 h 45 min 40 s
